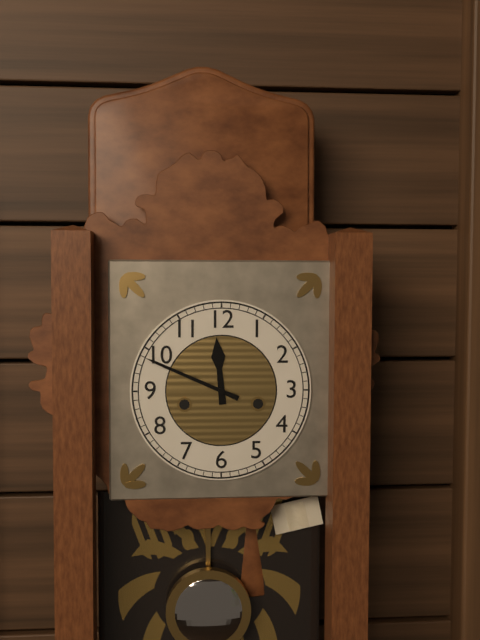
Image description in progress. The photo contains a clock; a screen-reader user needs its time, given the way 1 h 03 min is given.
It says 11 h 49 min
